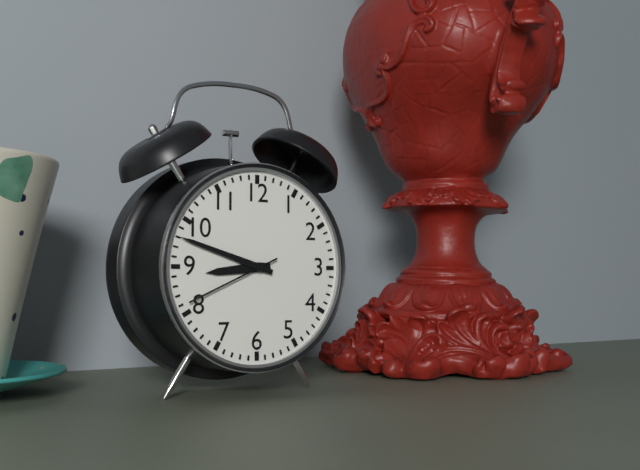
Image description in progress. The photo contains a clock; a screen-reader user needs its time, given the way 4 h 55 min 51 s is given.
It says 8 h 48 min 41 s
